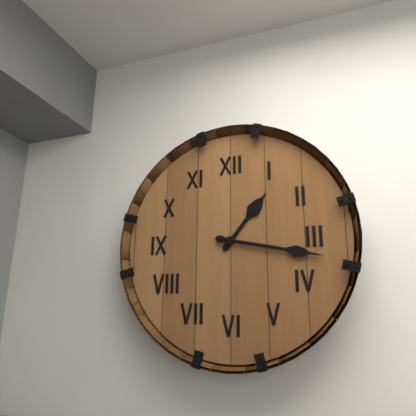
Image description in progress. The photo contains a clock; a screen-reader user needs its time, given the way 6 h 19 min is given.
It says 1 h 17 min
